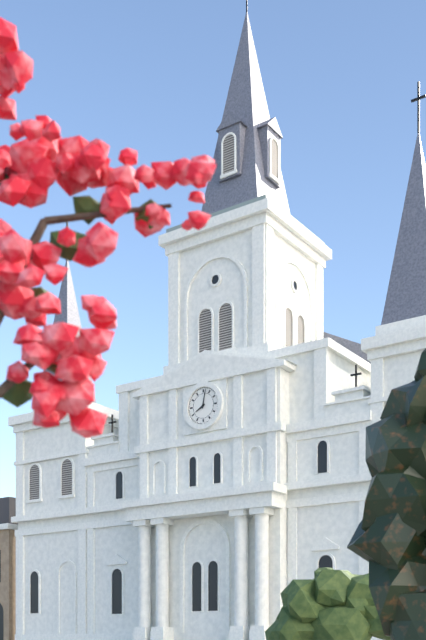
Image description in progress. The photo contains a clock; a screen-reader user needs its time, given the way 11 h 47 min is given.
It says 8 h 02 min
